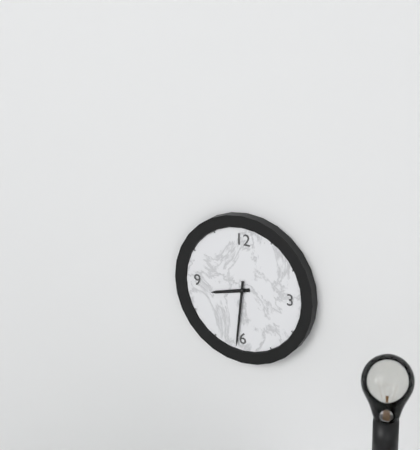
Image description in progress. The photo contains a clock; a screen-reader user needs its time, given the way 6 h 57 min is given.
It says 8 h 31 min
